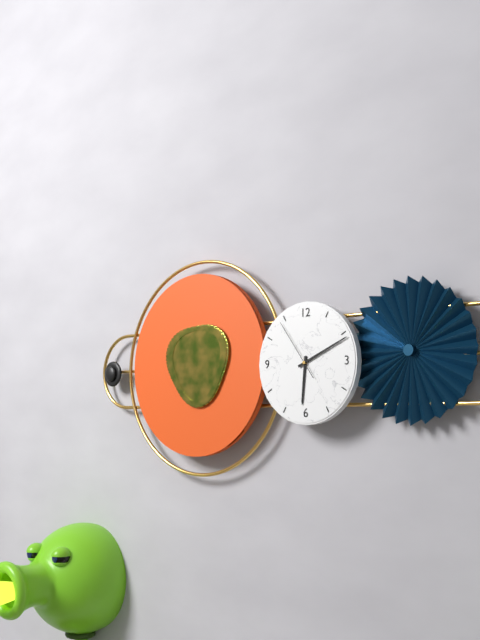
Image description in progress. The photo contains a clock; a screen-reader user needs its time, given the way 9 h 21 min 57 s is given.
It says 6 h 11 min 54 s
